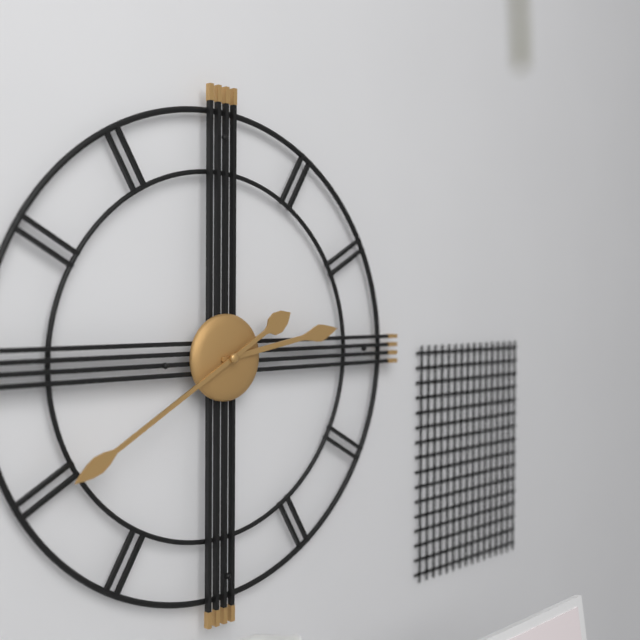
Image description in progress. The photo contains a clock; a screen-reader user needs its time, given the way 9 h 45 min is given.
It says 2 h 40 min
